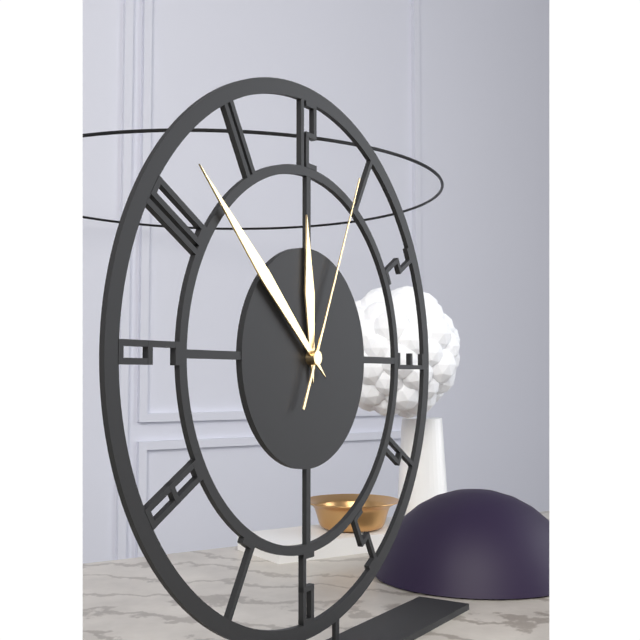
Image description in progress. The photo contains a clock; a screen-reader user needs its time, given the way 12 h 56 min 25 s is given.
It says 11 h 52 min 04 s
